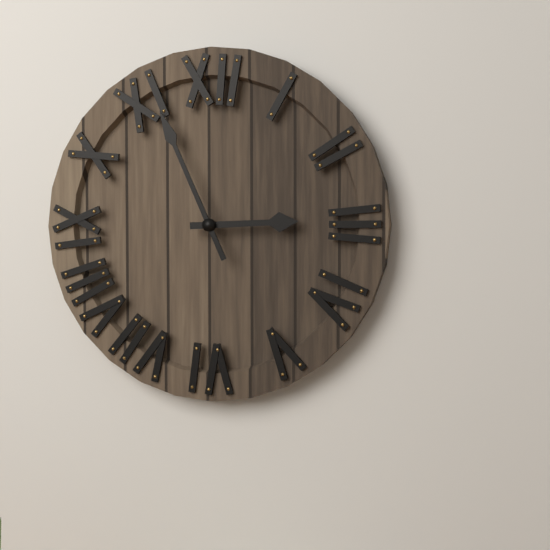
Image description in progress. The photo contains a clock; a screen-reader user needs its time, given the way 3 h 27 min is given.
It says 2 h 56 min
